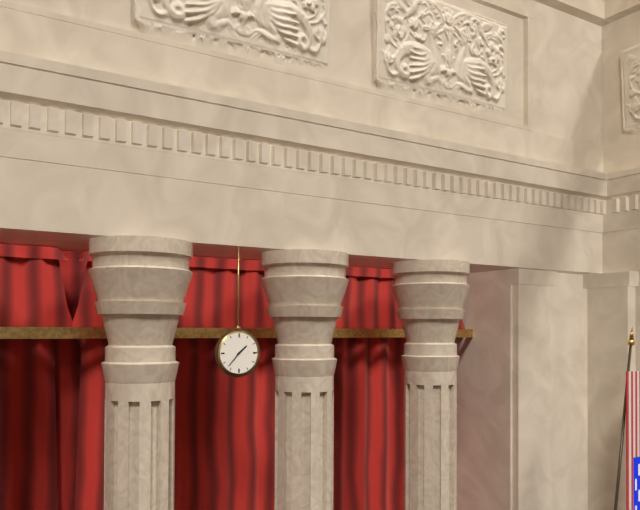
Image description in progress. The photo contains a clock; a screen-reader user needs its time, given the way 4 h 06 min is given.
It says 1 h 37 min
